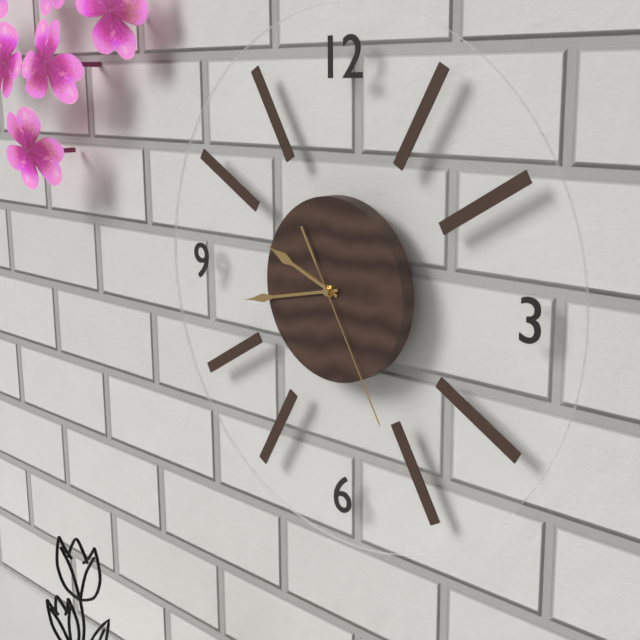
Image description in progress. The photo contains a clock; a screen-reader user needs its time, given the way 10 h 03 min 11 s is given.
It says 9 h 43 min 25 s
